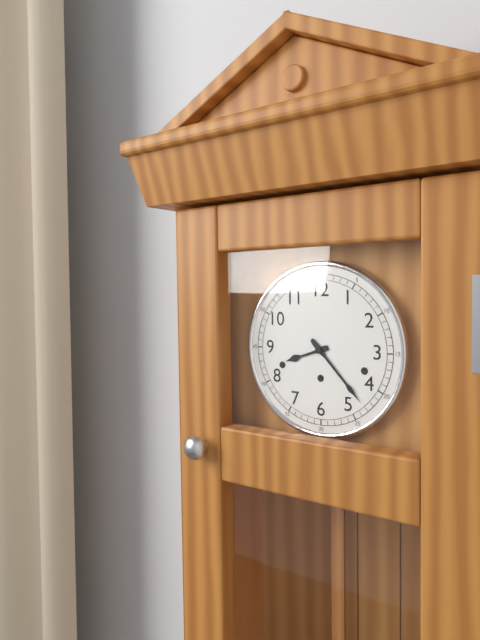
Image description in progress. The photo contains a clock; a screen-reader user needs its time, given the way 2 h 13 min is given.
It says 8 h 23 min
